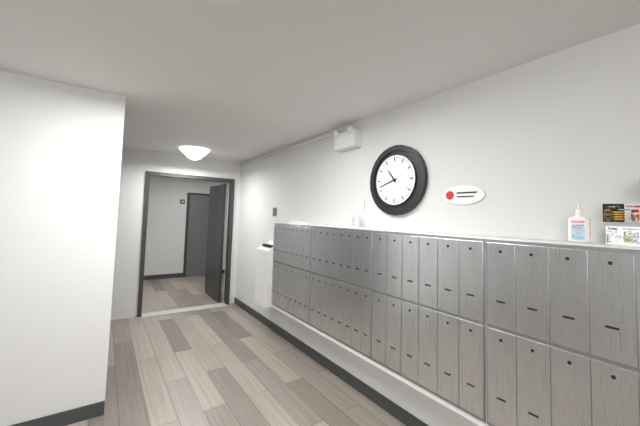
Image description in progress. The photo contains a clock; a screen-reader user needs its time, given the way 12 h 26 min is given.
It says 10 h 42 min
